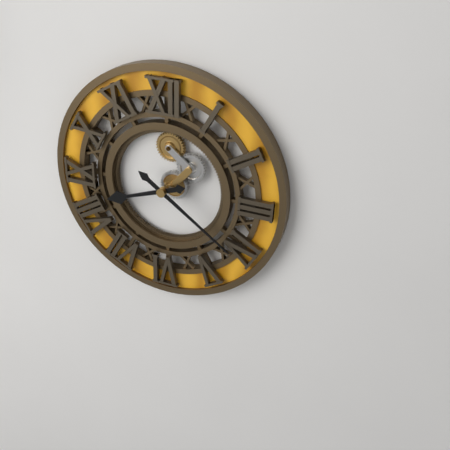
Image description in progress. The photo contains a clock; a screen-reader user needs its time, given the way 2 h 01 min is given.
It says 8 h 21 min
